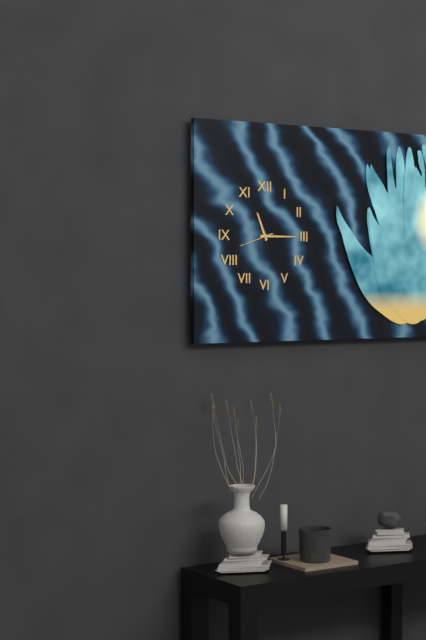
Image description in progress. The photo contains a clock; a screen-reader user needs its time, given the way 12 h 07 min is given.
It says 11 h 15 min
